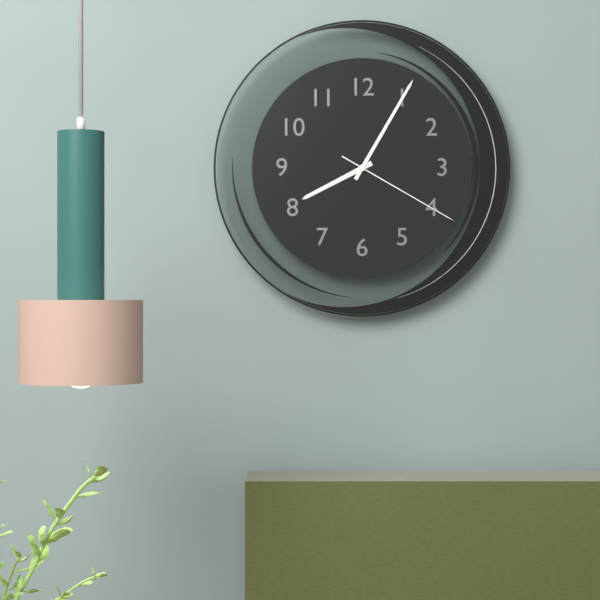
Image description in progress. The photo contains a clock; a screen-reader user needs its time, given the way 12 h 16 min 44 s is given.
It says 8 h 05 min 20 s
